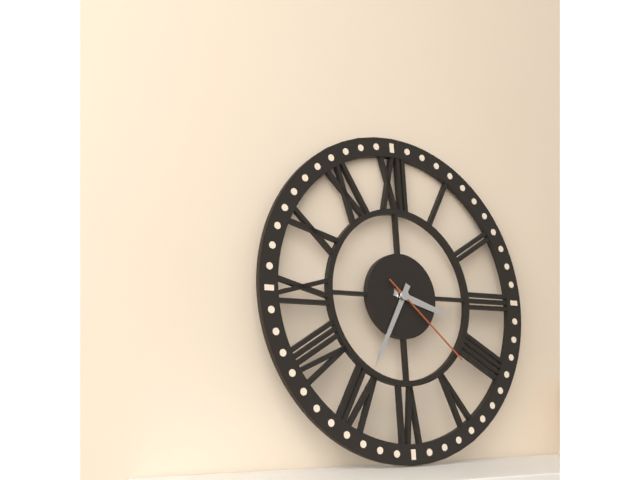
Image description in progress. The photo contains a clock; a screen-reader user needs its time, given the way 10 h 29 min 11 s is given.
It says 3 h 35 min 22 s
